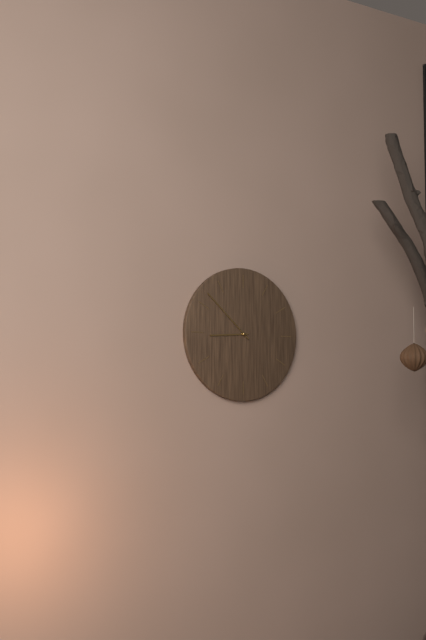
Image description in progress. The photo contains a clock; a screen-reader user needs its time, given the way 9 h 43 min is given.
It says 8 h 52 min
